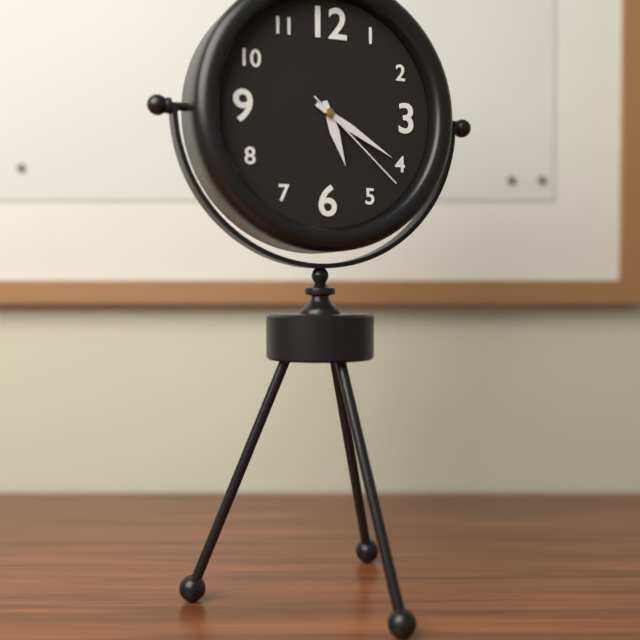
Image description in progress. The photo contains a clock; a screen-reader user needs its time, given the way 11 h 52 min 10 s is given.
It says 5 h 20 min 22 s
